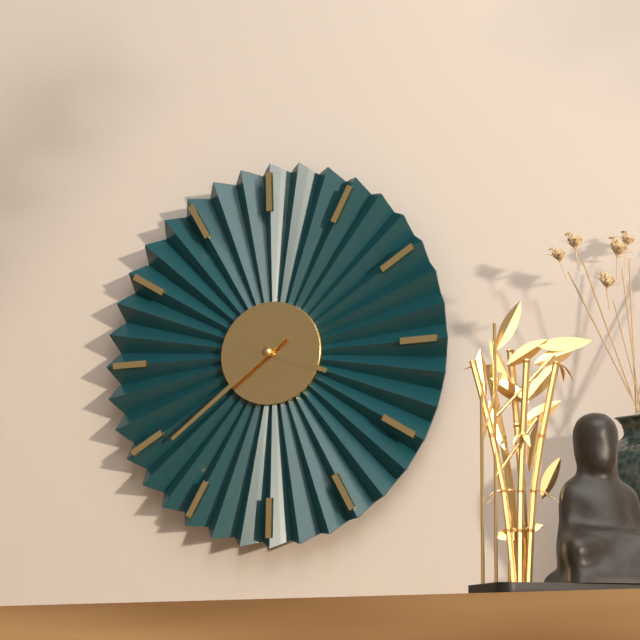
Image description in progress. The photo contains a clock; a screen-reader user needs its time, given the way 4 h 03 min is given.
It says 3 h 39 min
